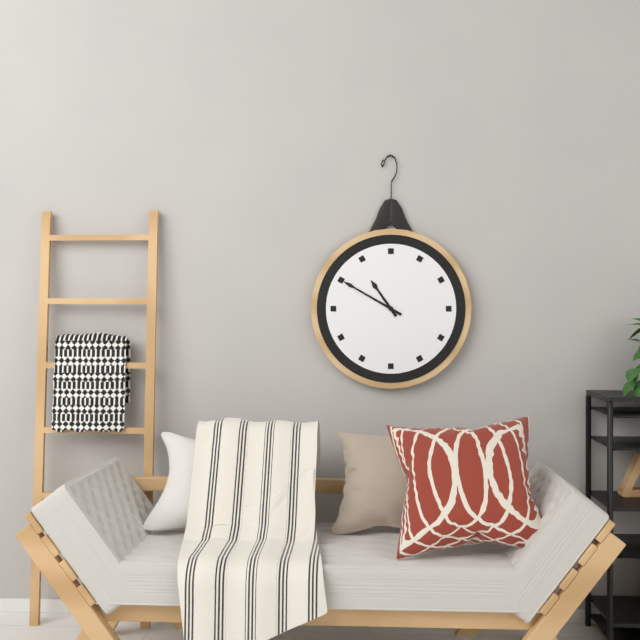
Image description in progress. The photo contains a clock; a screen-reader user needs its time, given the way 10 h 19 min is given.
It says 10 h 50 min
